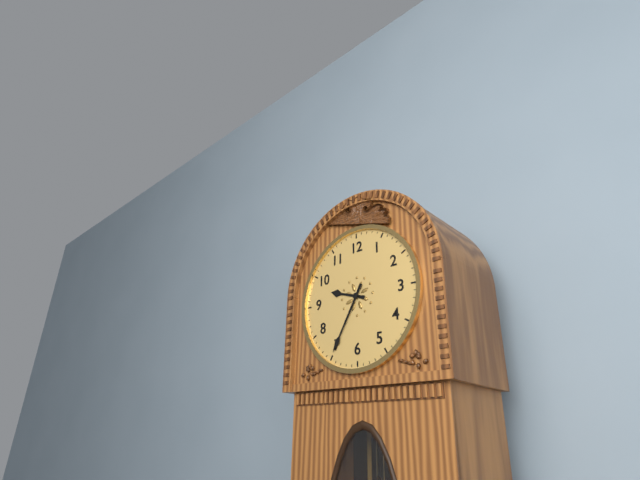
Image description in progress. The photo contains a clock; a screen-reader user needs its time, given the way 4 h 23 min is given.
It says 9 h 35 min
